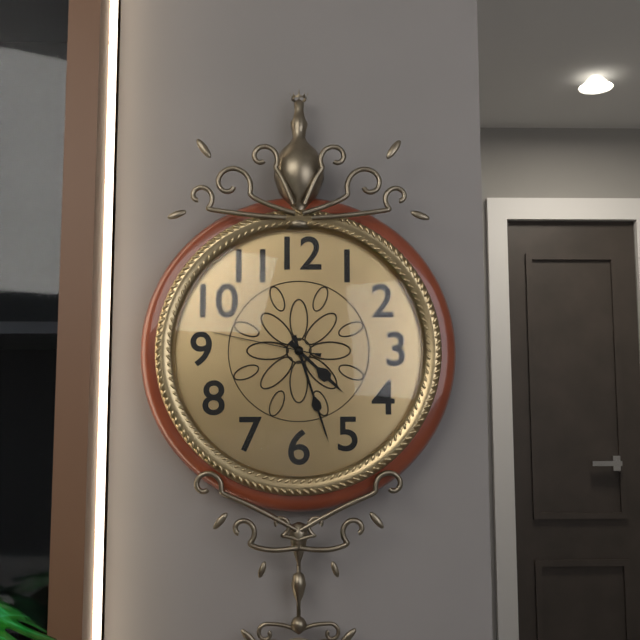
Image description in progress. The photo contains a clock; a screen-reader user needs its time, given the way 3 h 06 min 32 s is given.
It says 4 h 27 min 47 s
